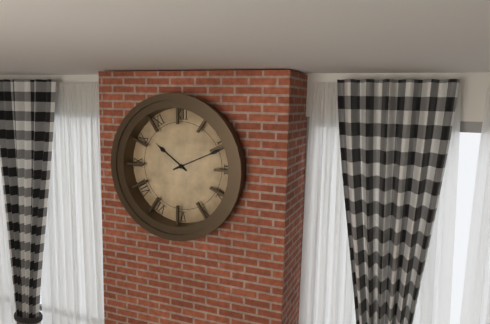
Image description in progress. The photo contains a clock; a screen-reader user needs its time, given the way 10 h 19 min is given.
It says 10 h 11 min
